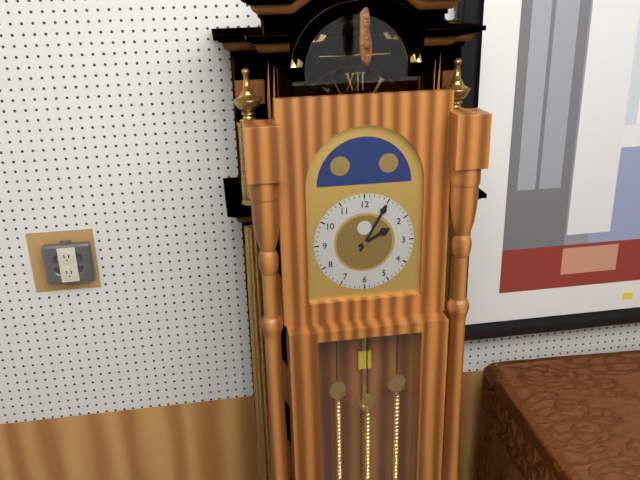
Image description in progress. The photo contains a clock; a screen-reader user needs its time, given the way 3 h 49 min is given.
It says 2 h 05 min
